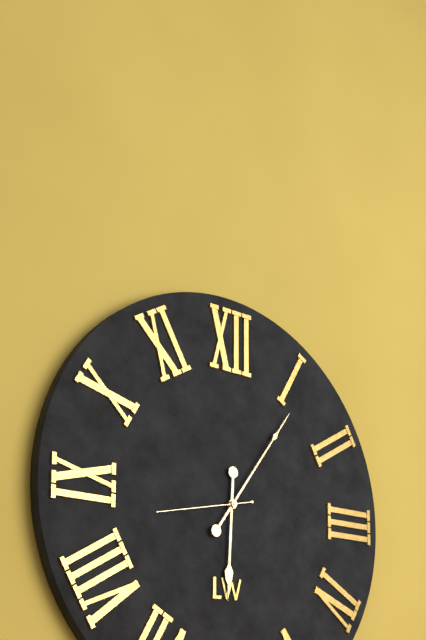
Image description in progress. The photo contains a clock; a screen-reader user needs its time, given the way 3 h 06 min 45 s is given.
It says 6 h 06 min 43 s
